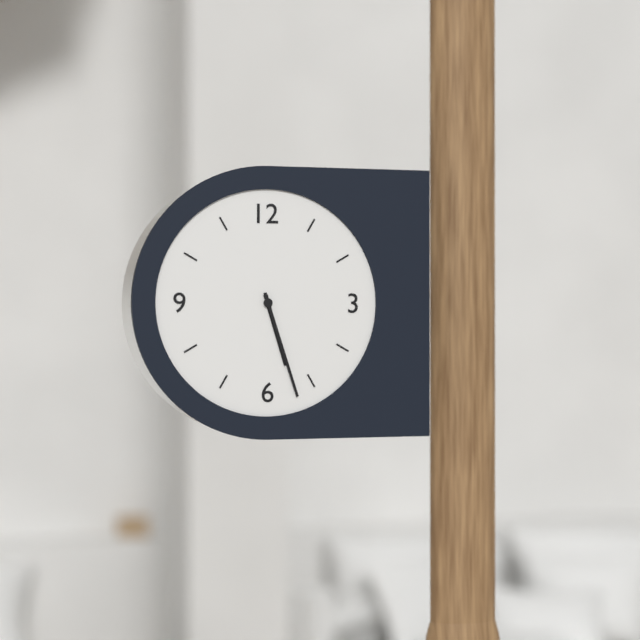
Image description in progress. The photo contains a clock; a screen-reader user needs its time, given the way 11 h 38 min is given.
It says 5 h 27 min
